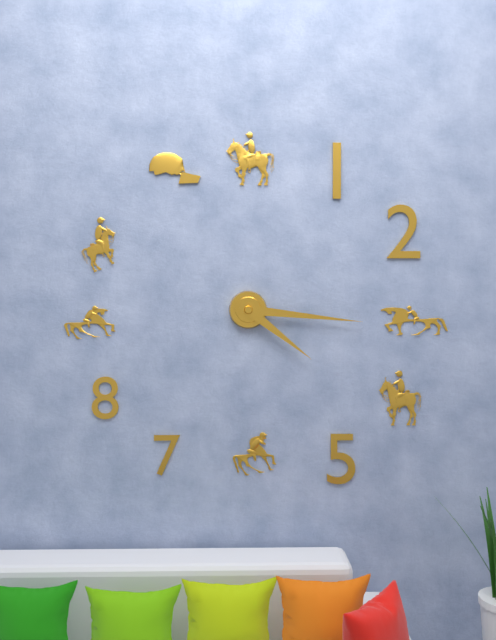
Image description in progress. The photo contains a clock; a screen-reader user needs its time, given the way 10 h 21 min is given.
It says 4 h 16 min
